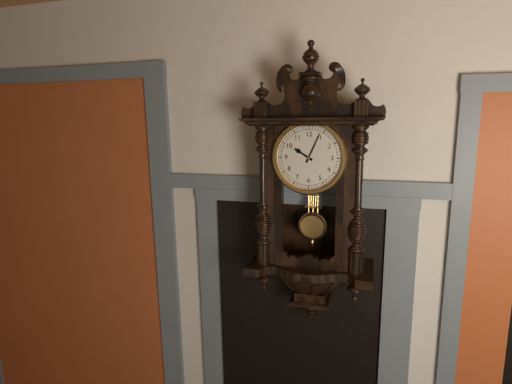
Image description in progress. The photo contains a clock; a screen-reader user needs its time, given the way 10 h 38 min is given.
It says 10 h 04 min
